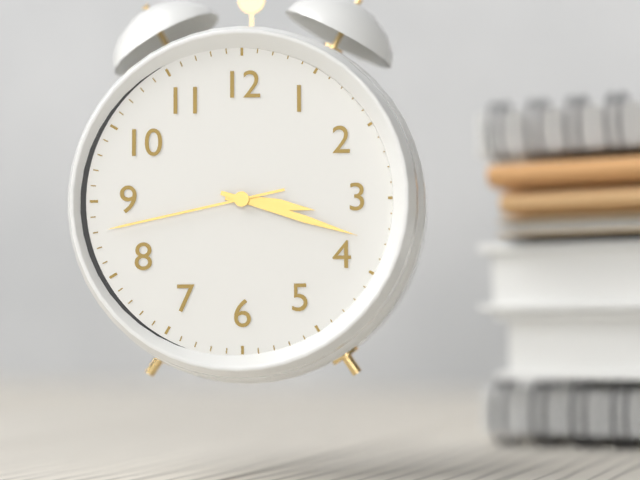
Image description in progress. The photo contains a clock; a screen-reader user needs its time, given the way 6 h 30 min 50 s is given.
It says 3 h 18 min 43 s
